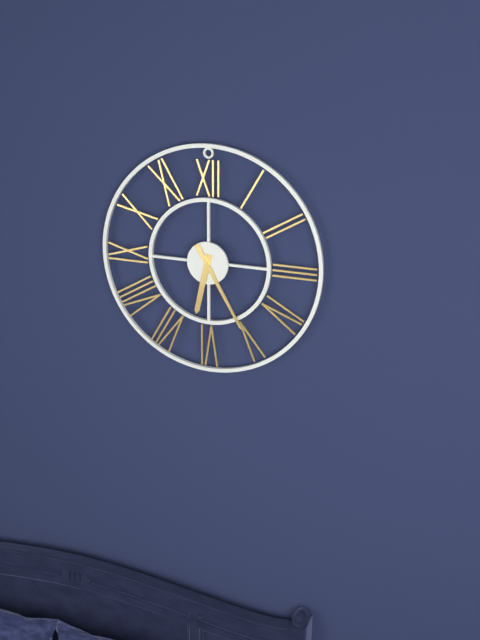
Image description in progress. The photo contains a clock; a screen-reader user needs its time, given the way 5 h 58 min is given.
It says 6 h 25 min
